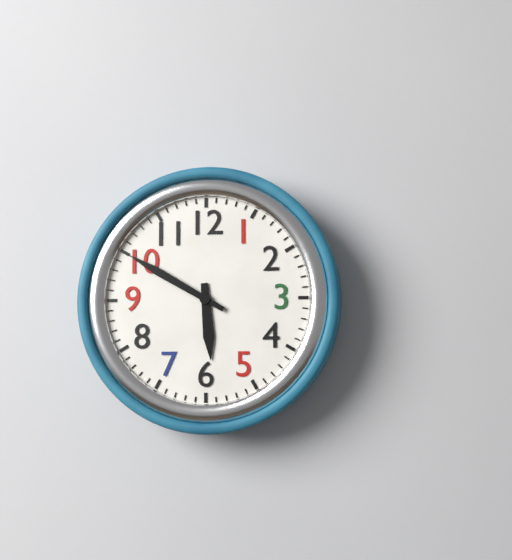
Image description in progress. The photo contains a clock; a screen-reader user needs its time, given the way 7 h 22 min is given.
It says 5 h 50 min
